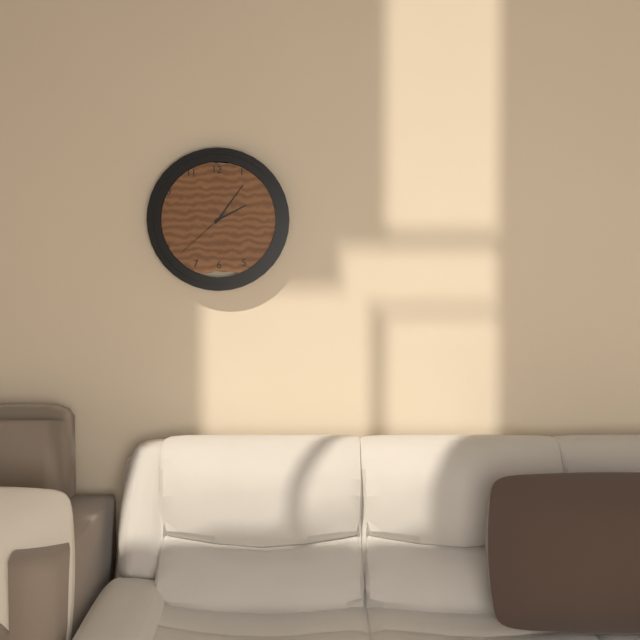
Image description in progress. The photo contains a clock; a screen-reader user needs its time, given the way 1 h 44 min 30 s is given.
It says 2 h 06 min 38 s
